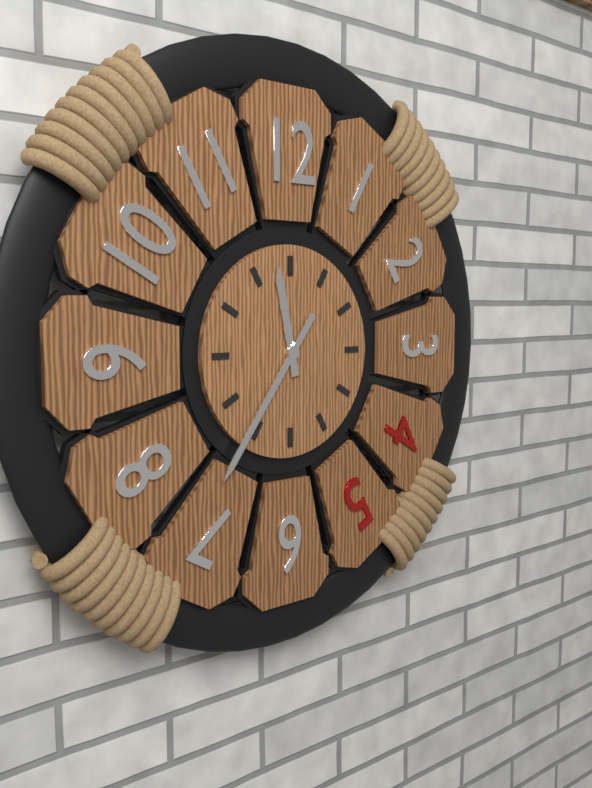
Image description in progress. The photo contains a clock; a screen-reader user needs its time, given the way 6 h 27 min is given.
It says 11 h 36 min
